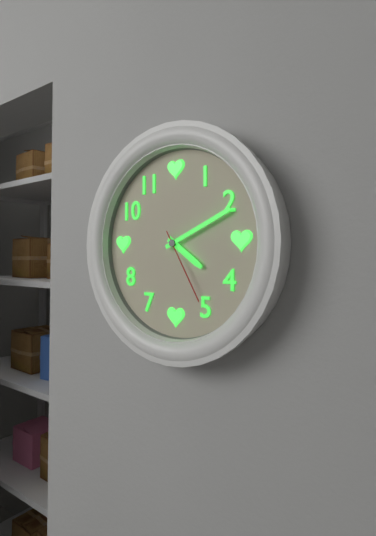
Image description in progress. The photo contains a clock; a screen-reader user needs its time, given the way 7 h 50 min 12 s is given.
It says 4 h 11 min 25 s
